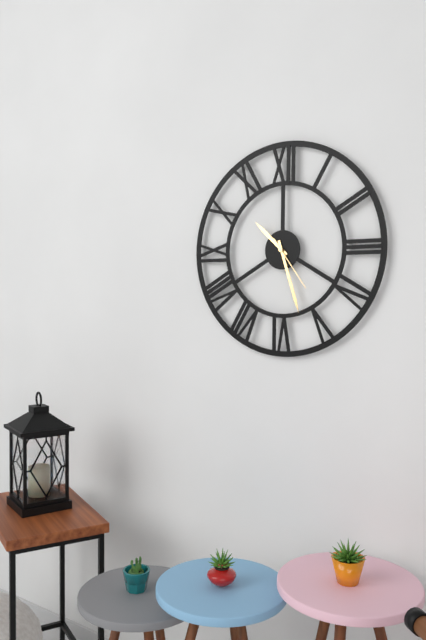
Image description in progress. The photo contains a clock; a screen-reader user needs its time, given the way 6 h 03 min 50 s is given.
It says 10 h 27 min 24 s
